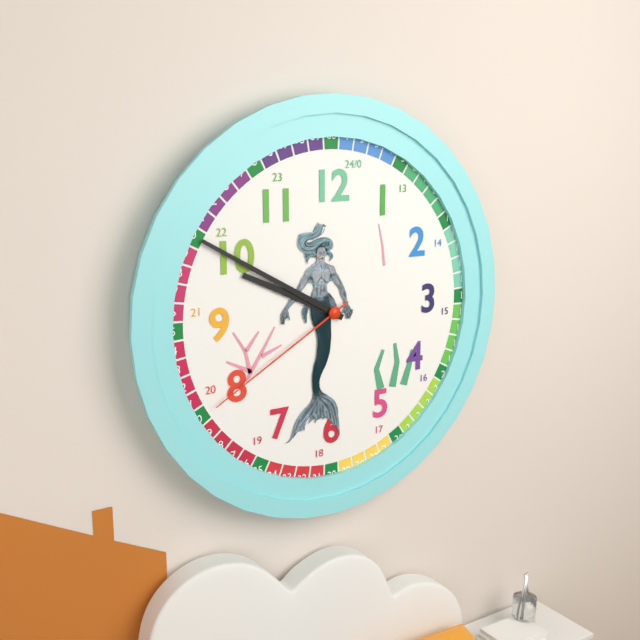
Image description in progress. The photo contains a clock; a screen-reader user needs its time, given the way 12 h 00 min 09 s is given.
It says 9 h 50 min 40 s
